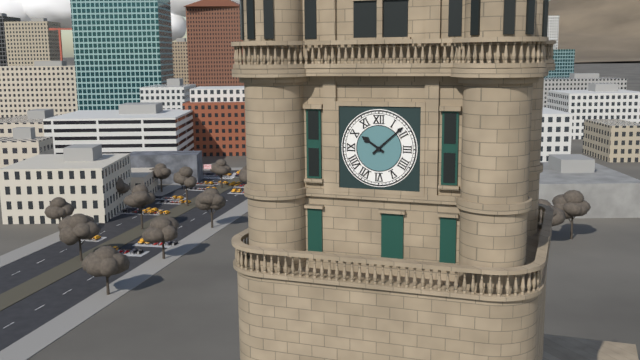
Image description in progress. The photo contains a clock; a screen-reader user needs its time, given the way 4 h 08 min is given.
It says 10 h 08 min
